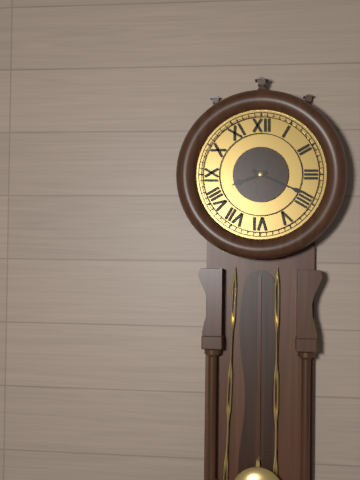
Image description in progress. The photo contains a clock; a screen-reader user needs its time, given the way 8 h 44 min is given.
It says 8 h 19 min
